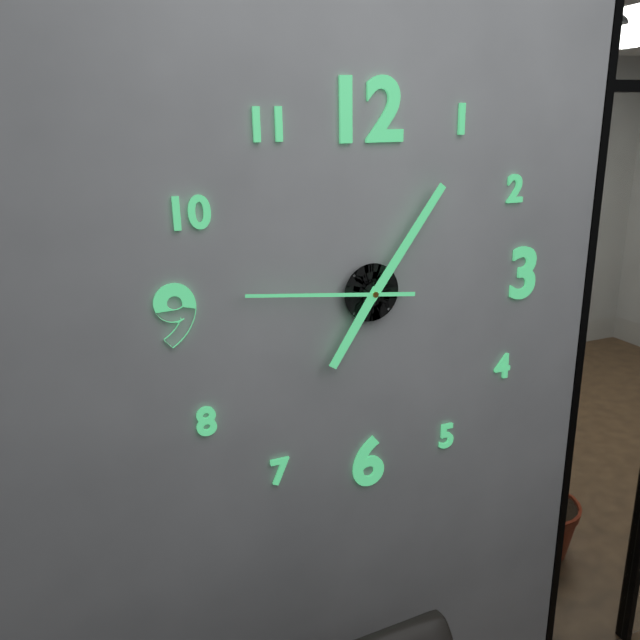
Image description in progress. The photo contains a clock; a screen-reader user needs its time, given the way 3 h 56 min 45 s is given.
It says 7 h 06 min 46 s
